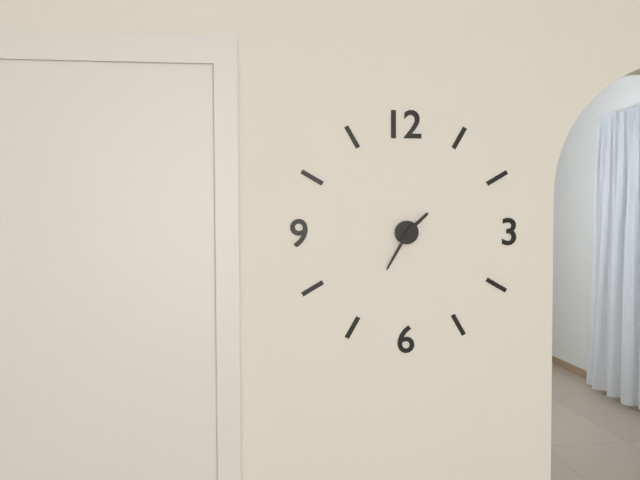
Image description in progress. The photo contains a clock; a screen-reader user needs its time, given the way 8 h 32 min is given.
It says 1 h 35 min
